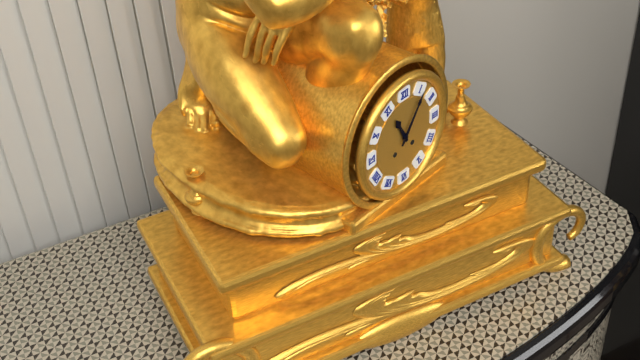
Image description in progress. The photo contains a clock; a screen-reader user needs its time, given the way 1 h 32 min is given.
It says 11 h 06 min
